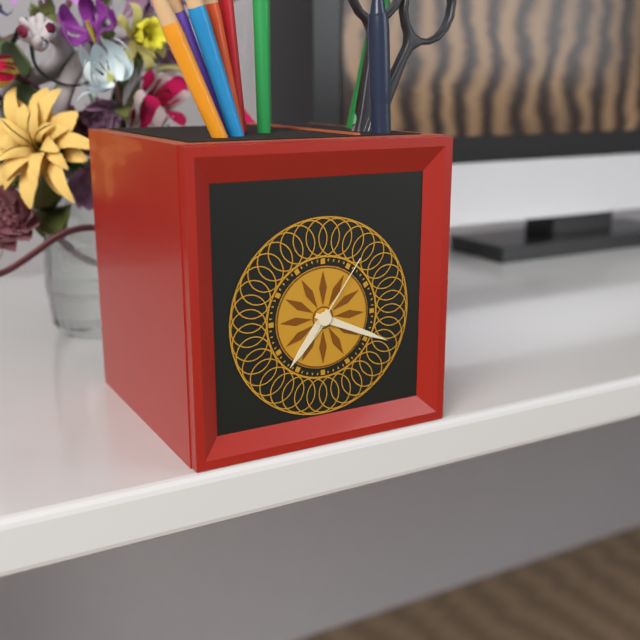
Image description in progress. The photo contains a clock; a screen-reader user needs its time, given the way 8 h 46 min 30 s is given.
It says 7 h 19 min 06 s
